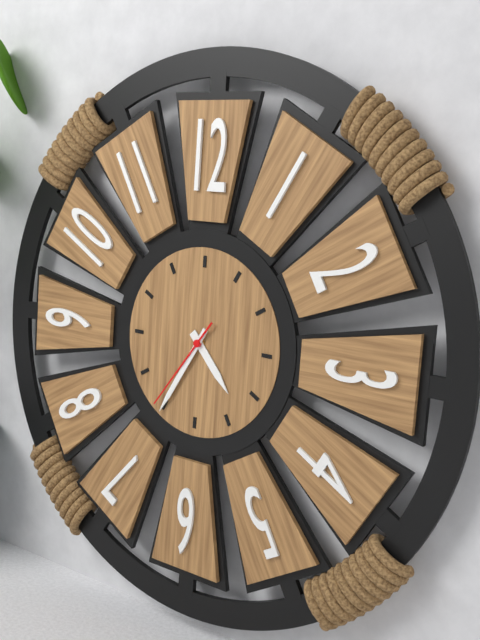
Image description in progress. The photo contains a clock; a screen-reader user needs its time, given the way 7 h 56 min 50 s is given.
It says 4 h 35 min 36 s
